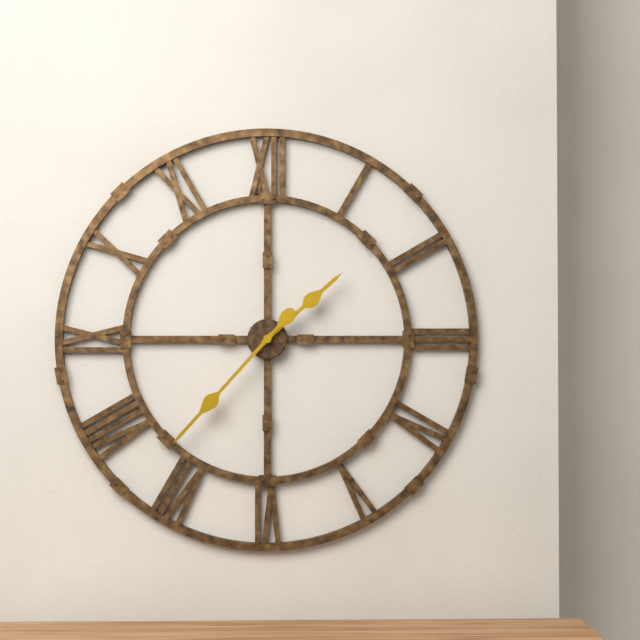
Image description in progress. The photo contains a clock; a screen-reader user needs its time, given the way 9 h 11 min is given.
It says 1 h 37 min
